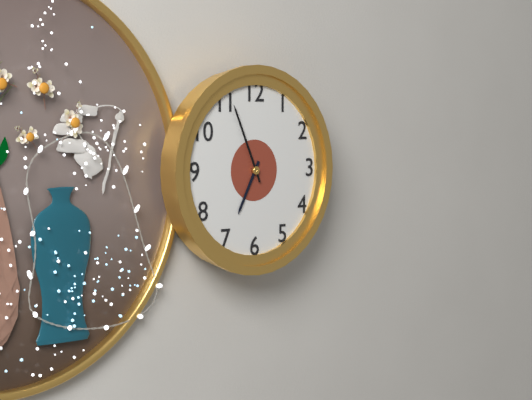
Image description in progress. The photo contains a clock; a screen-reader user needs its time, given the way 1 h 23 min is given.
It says 6 h 56 min
